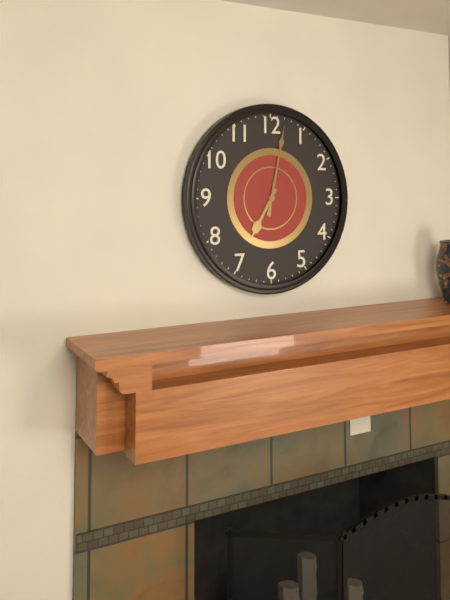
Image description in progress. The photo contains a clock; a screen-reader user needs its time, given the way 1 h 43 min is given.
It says 7 h 02 min
